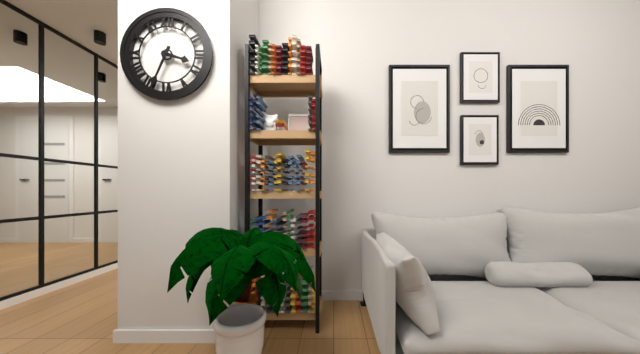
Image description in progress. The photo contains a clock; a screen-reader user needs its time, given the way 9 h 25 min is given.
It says 3 h 34 min
